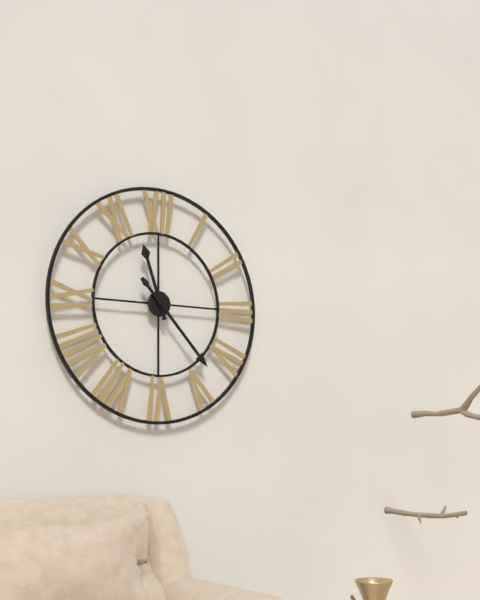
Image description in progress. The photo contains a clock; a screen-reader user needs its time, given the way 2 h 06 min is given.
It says 11 h 23 min
